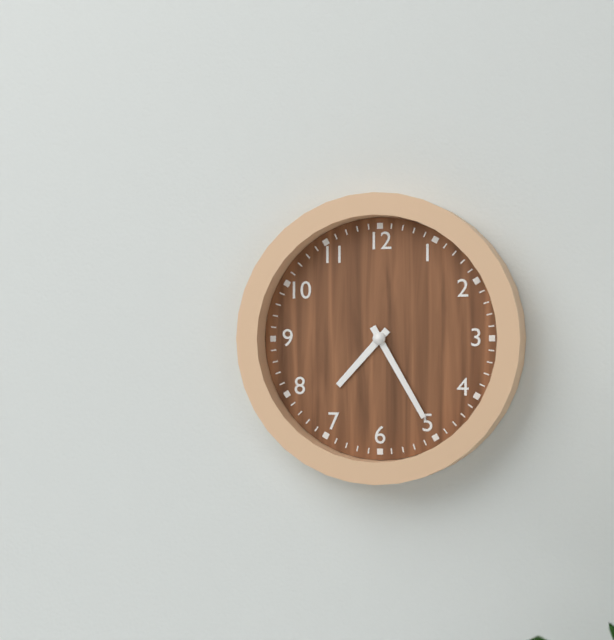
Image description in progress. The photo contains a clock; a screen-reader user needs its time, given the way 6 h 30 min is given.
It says 7 h 25 min
